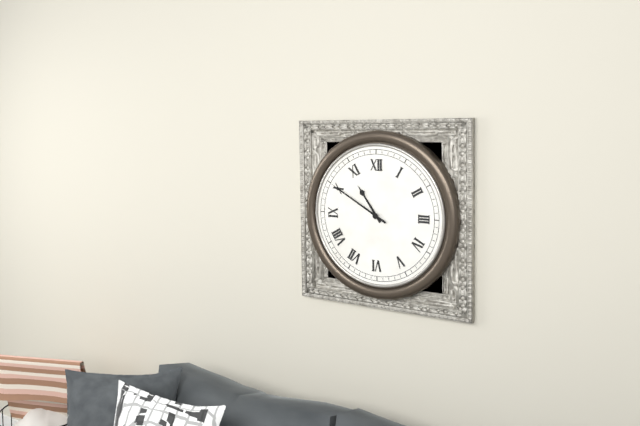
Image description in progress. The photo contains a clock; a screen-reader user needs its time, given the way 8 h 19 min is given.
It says 10 h 50 min
